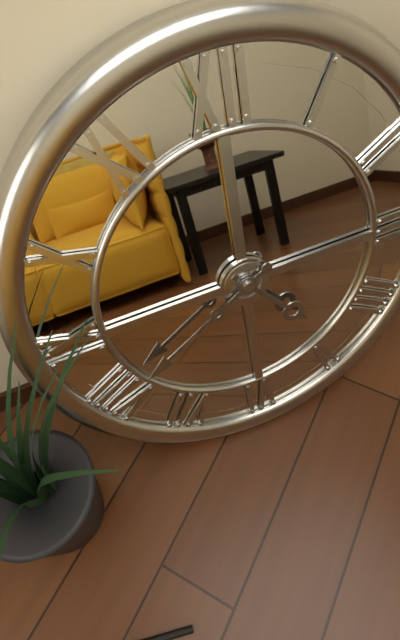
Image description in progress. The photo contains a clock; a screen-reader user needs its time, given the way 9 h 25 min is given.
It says 4 h 40 min
